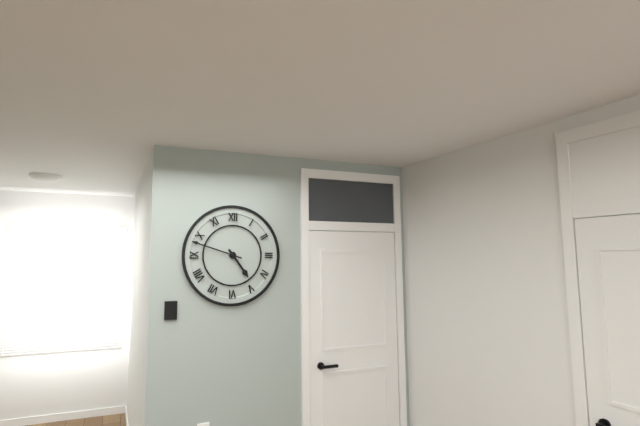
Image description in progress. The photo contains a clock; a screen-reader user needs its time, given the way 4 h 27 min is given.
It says 4 h 48 min
